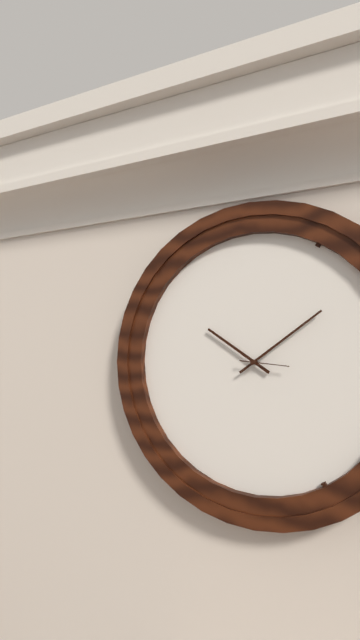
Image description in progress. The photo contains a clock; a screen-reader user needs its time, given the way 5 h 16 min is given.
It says 10 h 09 min
